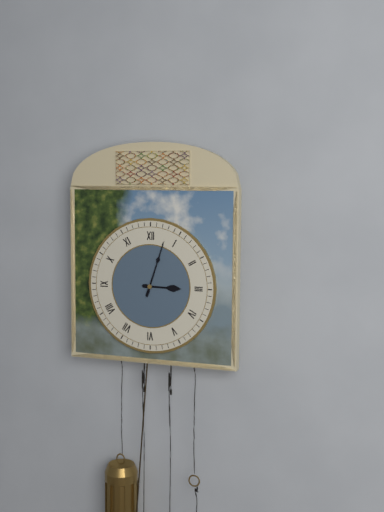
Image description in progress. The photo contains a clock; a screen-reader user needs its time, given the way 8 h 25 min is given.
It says 3 h 03 min
